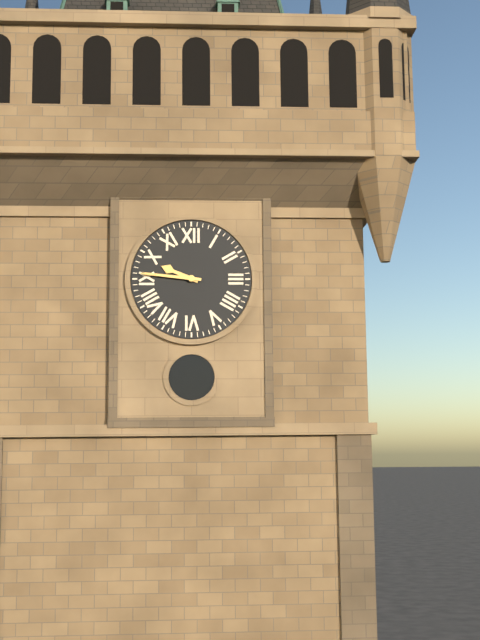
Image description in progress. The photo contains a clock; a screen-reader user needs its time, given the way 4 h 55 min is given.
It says 9 h 46 min
